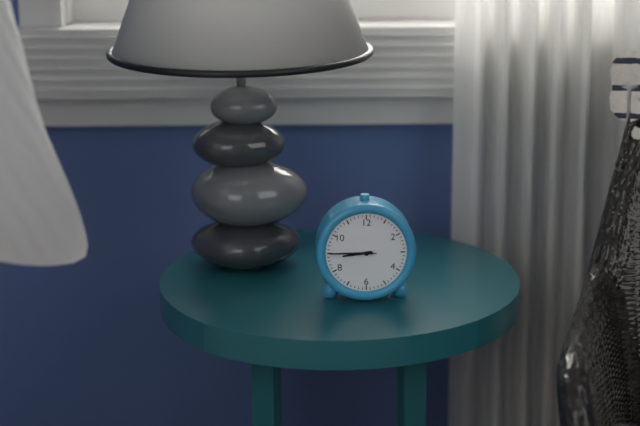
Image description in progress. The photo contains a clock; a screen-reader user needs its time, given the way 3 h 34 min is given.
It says 8 h 45 min
